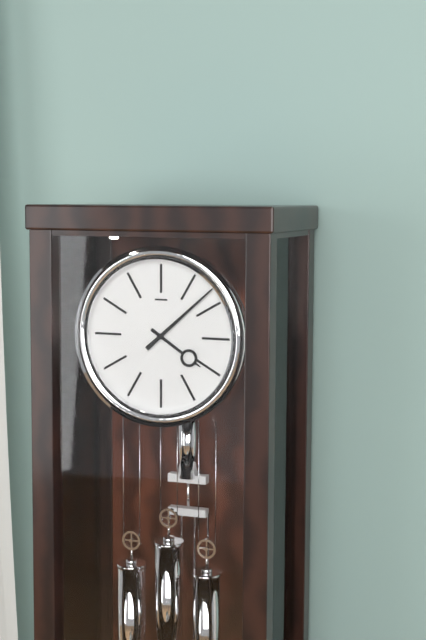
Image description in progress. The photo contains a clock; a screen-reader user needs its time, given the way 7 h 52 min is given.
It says 4 h 08 min
